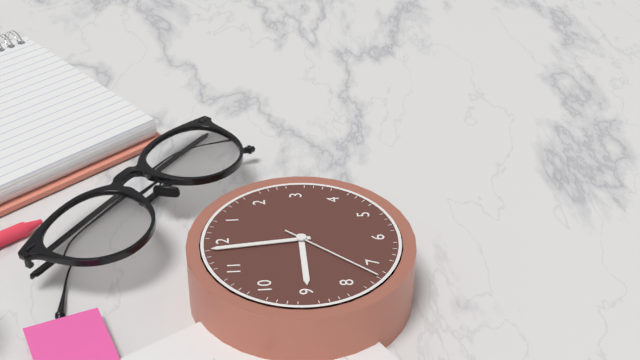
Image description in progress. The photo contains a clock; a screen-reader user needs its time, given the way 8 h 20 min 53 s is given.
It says 8 h 59 min 37 s
